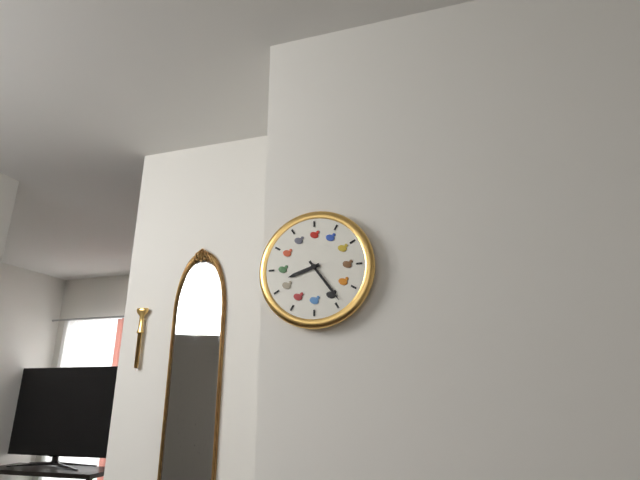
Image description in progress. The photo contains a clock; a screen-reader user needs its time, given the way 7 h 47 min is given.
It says 8 h 24 min
